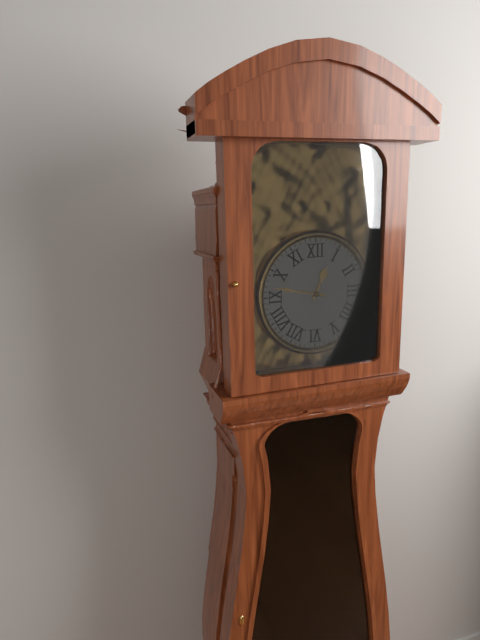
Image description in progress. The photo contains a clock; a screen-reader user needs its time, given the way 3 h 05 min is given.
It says 12 h 47 min
